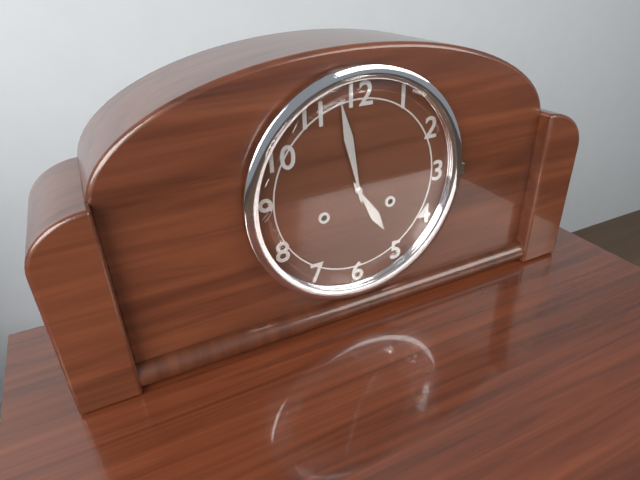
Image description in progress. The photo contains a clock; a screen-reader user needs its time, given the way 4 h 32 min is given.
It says 4 h 58 min
